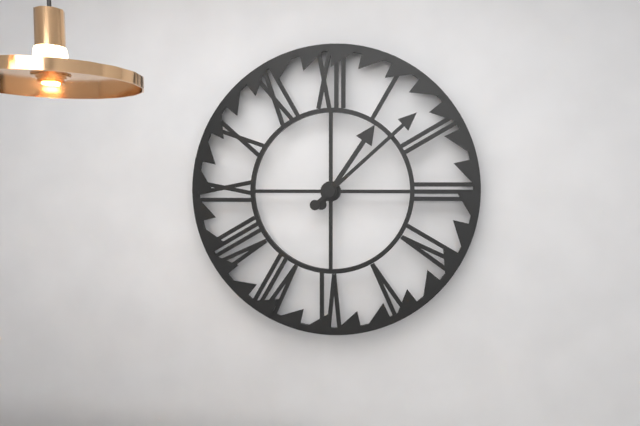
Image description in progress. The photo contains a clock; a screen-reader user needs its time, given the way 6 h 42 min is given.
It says 1 h 08 min
